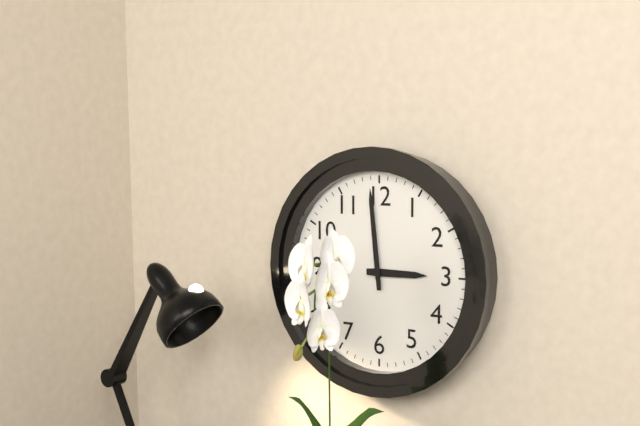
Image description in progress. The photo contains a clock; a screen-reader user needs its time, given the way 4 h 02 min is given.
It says 2 h 59 min
